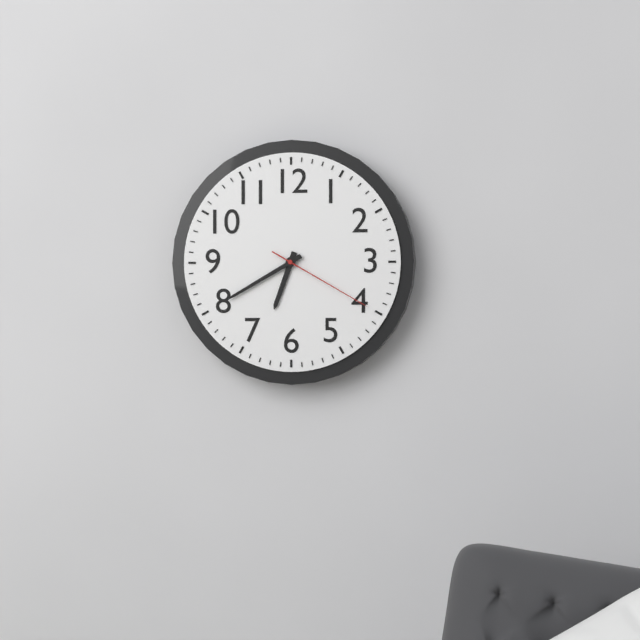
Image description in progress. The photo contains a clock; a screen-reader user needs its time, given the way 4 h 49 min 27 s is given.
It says 6 h 40 min 20 s
